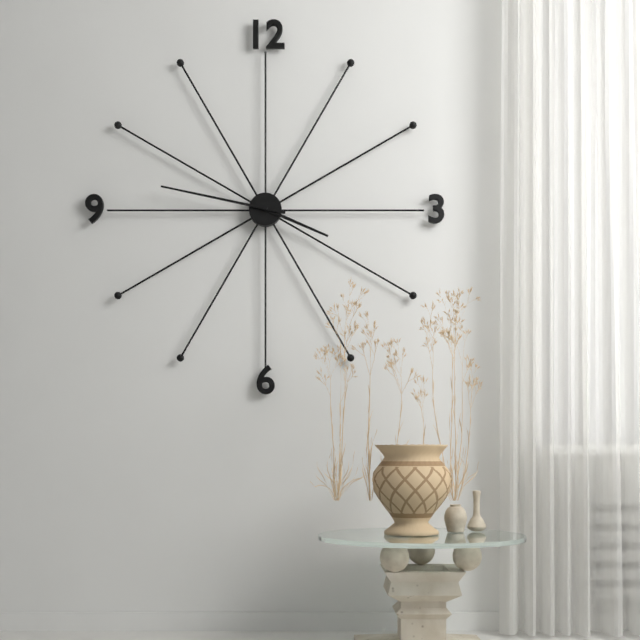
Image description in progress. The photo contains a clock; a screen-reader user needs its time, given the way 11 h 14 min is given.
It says 3 h 47 min
